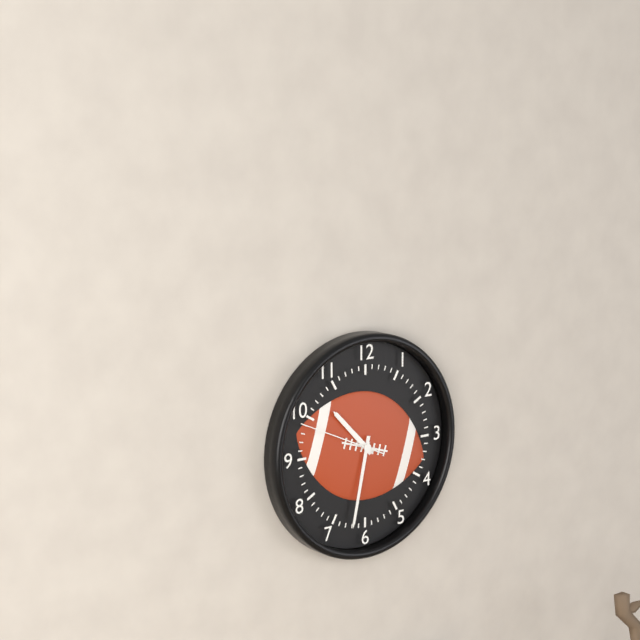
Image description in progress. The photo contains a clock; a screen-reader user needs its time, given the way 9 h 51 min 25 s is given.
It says 10 h 32 min 49 s
